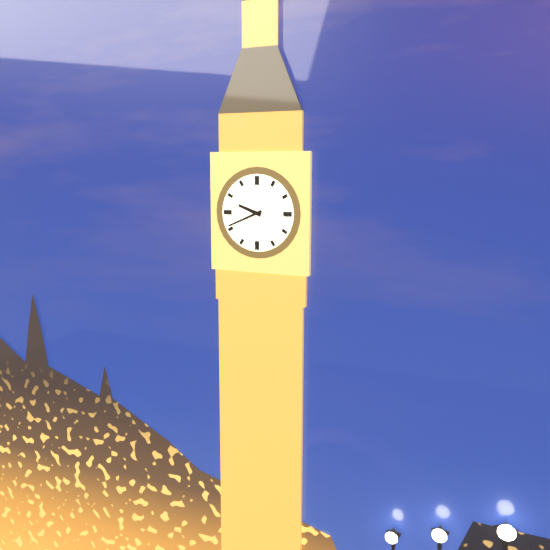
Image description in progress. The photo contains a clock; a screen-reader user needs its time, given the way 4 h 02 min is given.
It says 9 h 41 min
